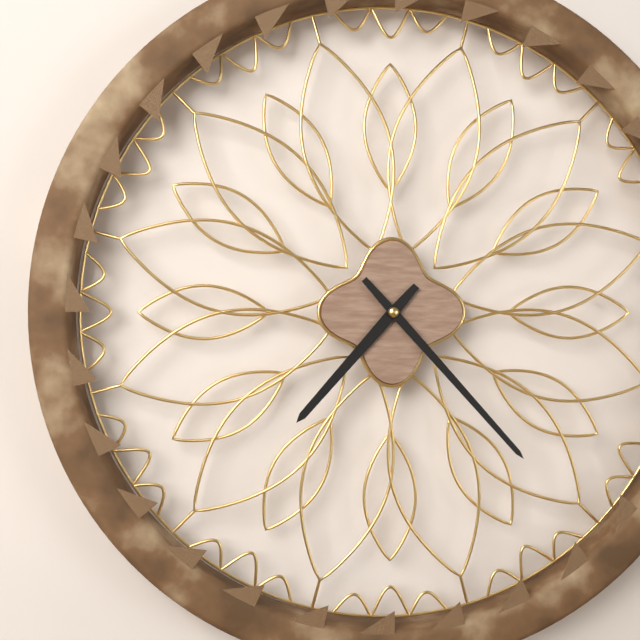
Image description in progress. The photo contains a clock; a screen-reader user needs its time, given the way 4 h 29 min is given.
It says 7 h 23 min
